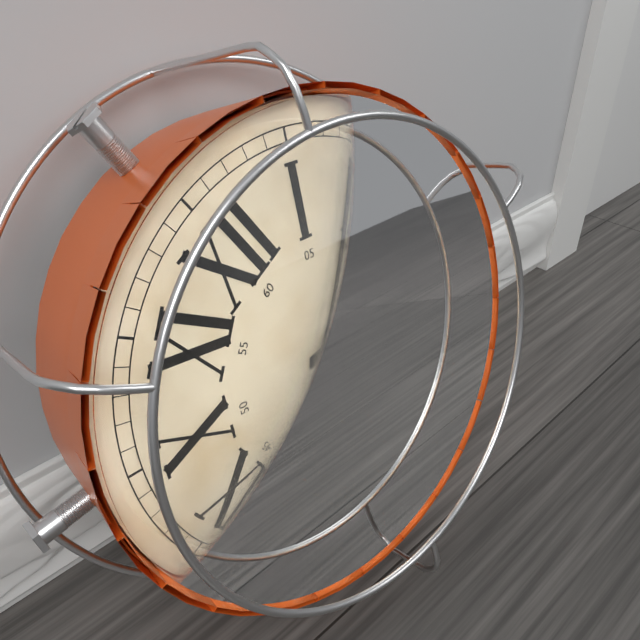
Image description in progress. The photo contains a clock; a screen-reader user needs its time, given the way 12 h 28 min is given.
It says 4 h 09 min
